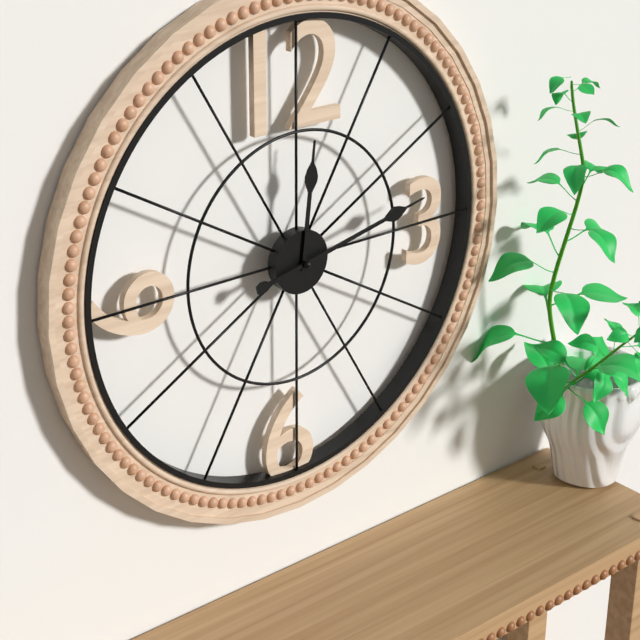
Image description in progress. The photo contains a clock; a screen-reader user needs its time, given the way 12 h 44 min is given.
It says 12 h 13 min
